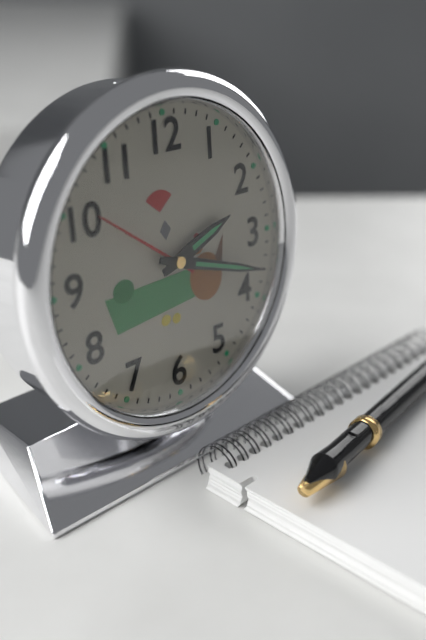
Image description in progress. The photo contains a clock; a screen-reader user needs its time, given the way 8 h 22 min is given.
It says 2 h 18 min
